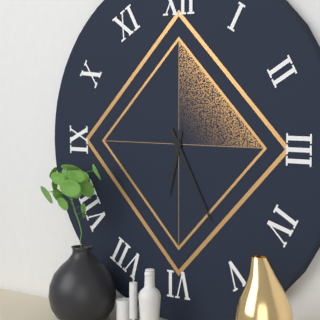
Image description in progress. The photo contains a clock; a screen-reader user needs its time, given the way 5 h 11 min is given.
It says 6 h 25 min
